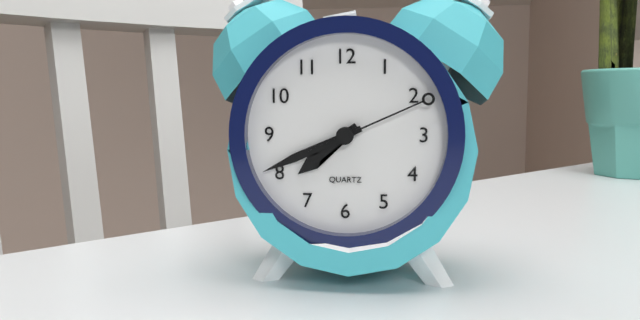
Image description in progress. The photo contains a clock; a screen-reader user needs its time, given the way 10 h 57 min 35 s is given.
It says 7 h 41 min 11 s
